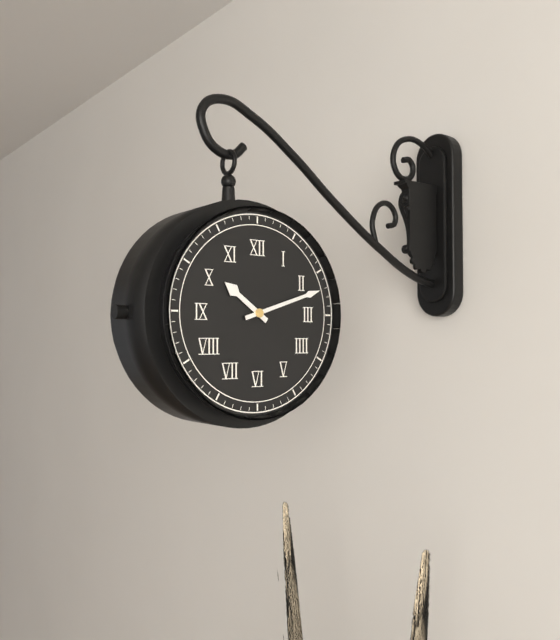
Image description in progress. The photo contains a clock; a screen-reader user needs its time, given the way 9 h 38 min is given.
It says 10 h 12 min
